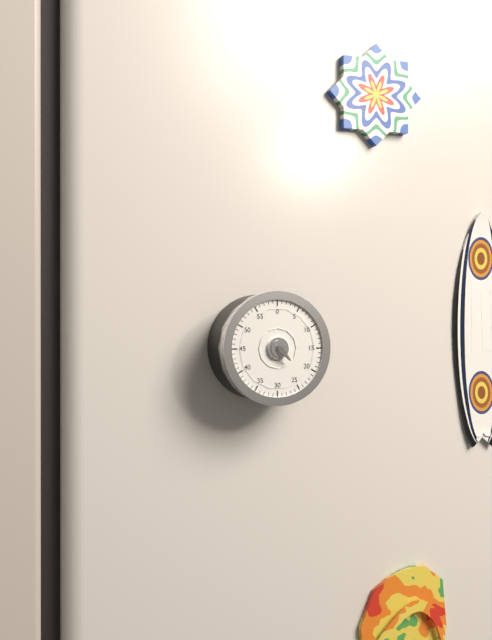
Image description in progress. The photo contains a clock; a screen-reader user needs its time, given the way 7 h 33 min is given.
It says 5 h 23 min
